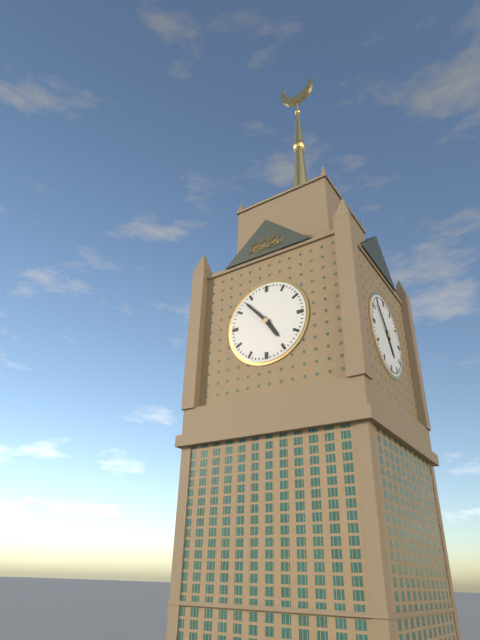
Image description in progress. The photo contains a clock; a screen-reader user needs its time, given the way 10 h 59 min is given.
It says 4 h 53 min
